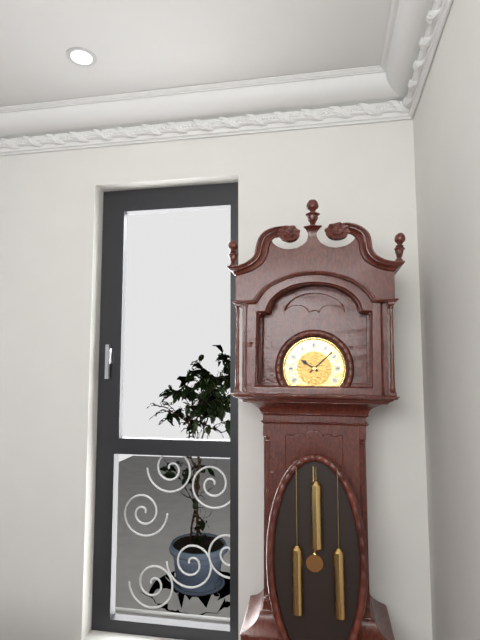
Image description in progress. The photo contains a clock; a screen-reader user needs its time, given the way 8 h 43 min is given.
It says 10 h 08 min
